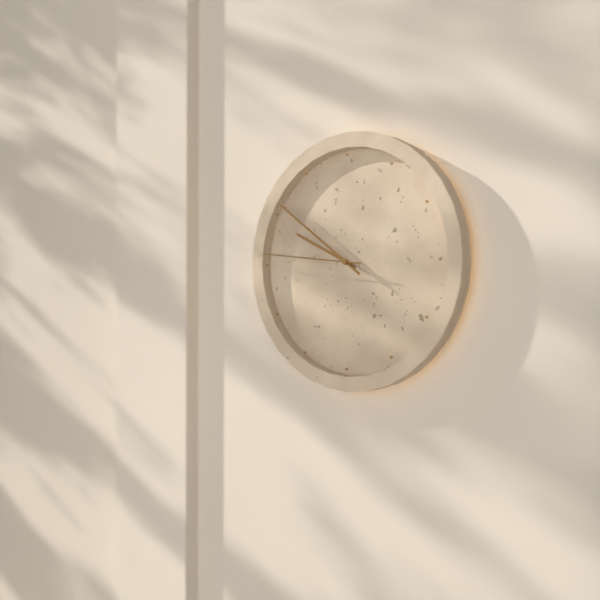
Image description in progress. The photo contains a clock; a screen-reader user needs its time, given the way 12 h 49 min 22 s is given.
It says 9 h 51 min 46 s
